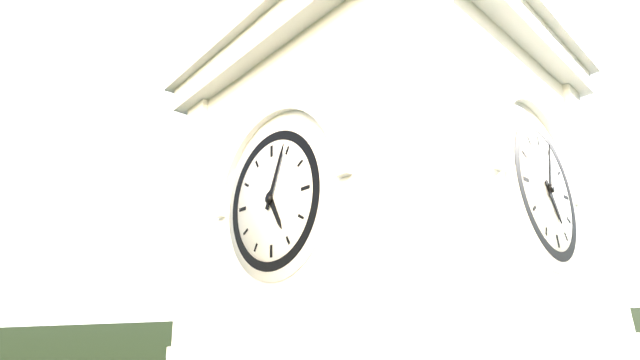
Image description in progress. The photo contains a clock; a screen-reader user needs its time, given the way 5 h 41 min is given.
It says 5 h 04 min
